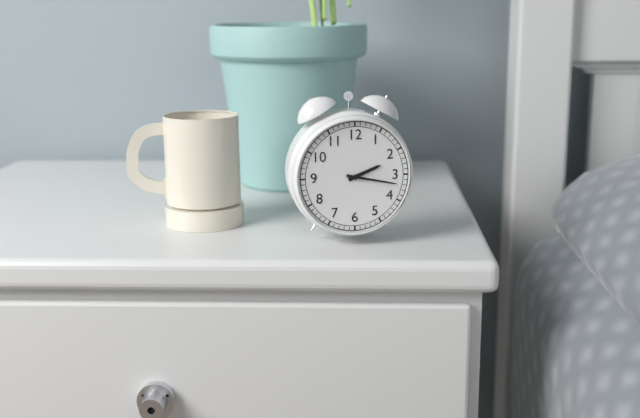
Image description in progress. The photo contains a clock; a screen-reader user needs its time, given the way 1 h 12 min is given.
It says 2 h 17 min
